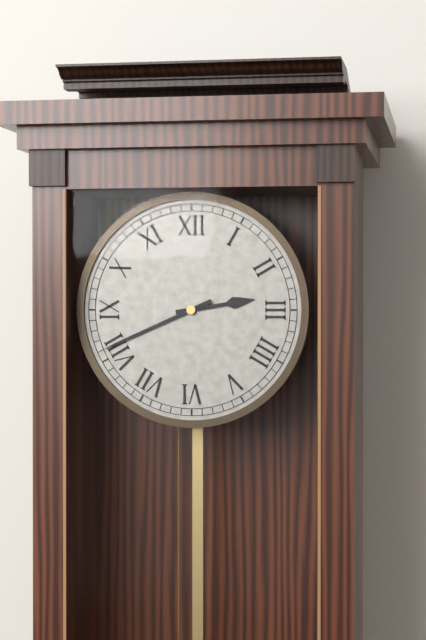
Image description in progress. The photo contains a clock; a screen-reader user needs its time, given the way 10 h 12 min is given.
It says 2 h 41 min
